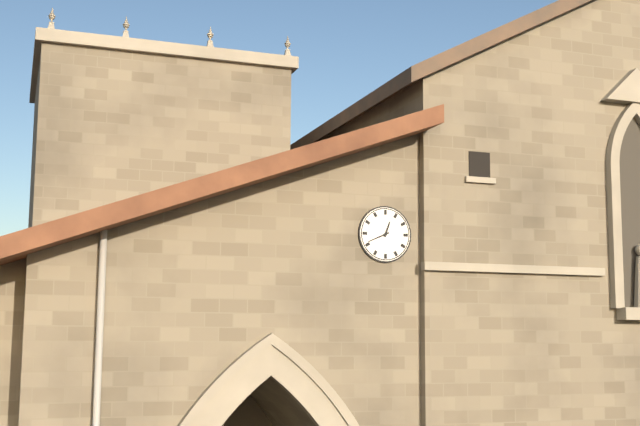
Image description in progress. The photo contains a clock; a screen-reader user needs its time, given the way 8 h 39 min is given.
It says 12 h 41 min
